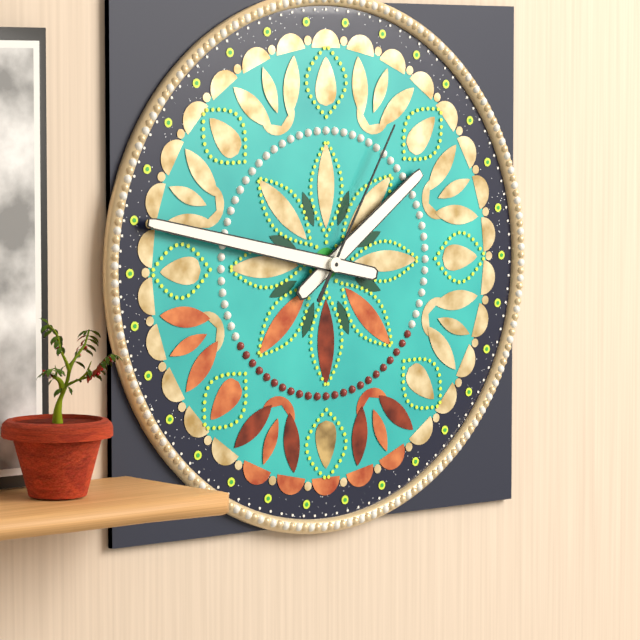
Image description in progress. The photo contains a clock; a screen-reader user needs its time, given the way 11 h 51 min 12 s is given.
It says 1 h 47 min 05 s
